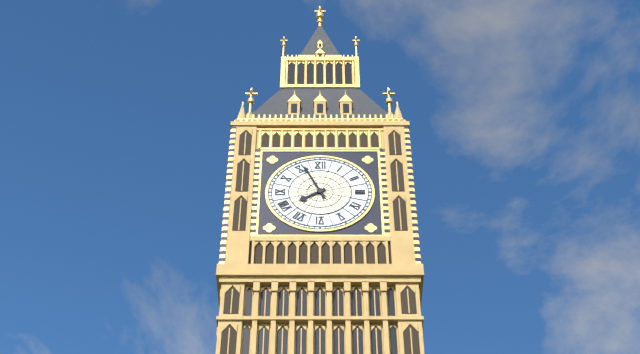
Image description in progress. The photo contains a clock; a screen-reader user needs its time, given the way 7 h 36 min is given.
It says 7 h 56 min
